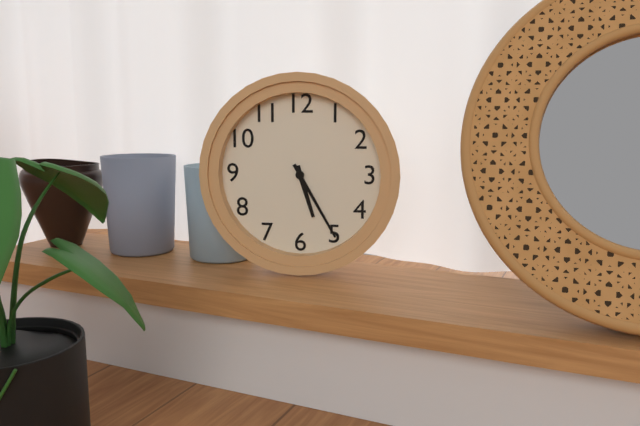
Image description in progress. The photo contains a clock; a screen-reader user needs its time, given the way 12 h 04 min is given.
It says 5 h 25 min
